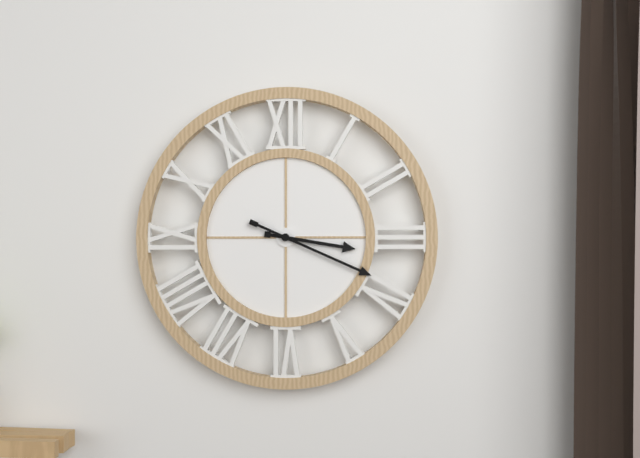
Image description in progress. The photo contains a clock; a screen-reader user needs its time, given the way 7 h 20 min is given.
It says 3 h 19 min
